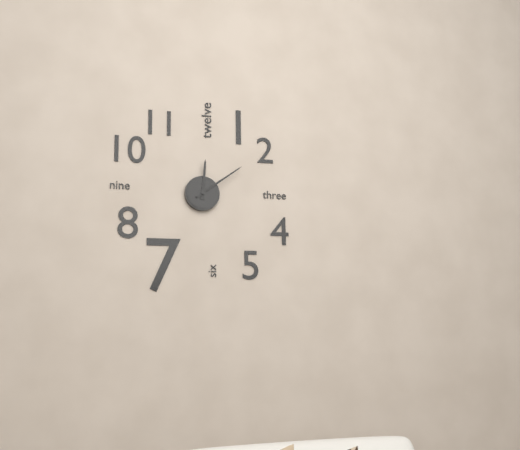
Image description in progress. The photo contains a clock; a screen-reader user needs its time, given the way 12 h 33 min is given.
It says 12 h 09 min
